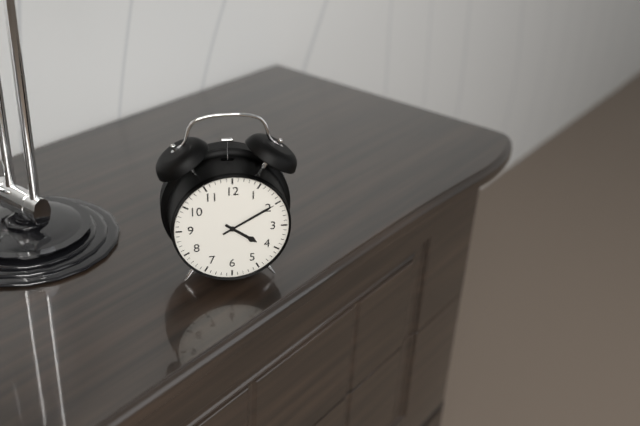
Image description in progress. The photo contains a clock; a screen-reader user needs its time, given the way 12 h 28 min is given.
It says 4 h 10 min
